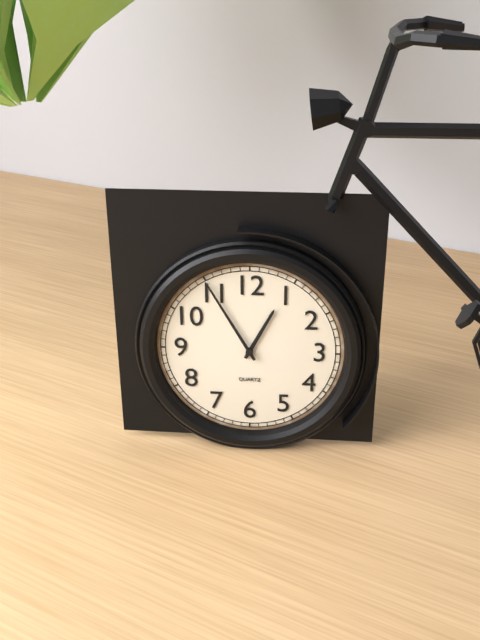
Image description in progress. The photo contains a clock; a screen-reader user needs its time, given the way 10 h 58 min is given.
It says 12 h 55 min
